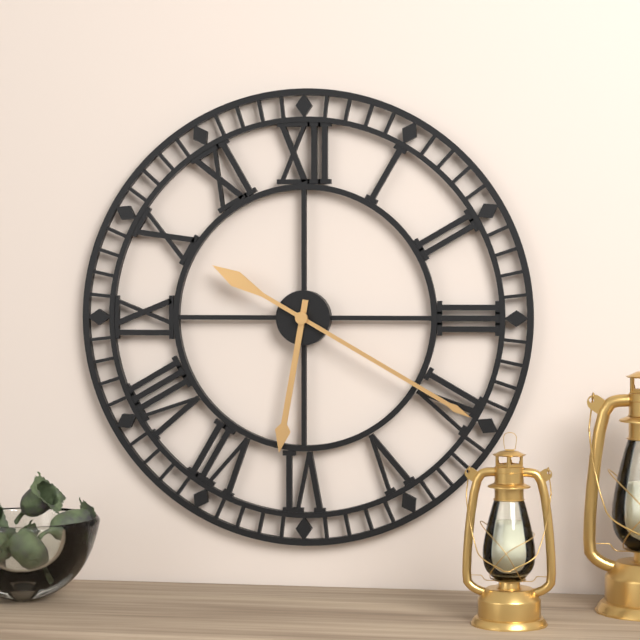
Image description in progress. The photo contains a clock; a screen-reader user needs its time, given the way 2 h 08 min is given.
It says 6 h 20 min
